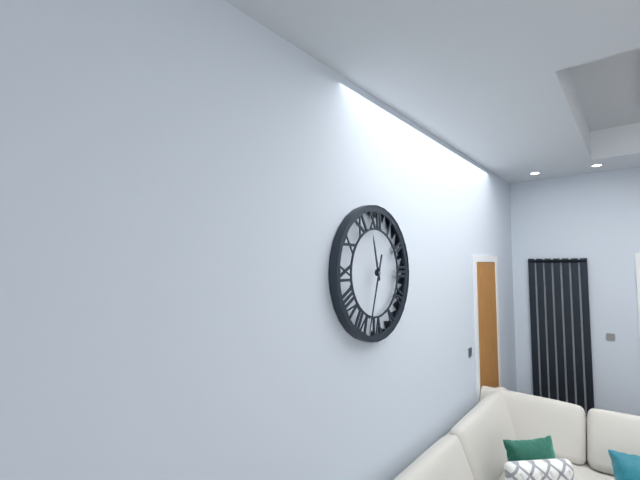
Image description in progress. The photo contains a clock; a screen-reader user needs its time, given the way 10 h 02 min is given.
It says 11 h 33 min
